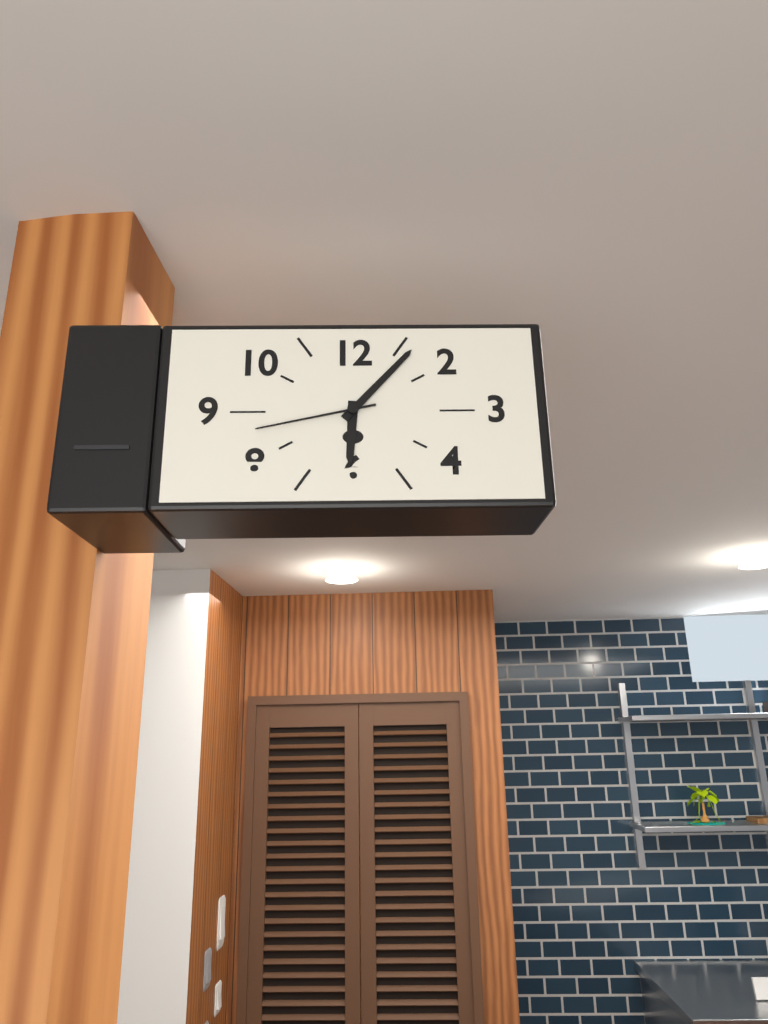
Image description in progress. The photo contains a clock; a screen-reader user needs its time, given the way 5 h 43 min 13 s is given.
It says 6 h 07 min 43 s
